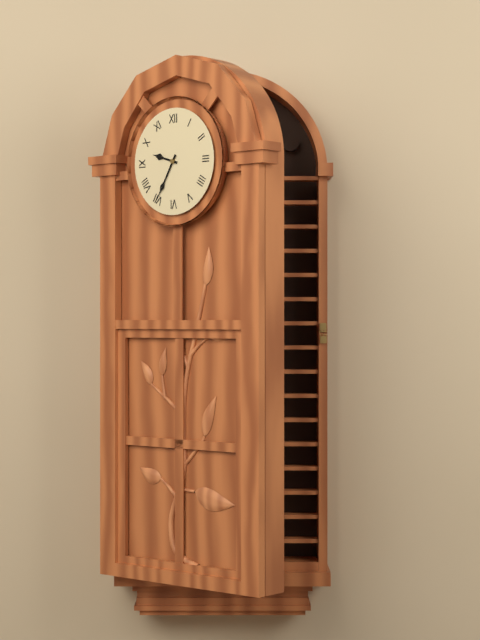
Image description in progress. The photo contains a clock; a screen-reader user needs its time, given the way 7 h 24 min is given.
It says 9 h 35 min
